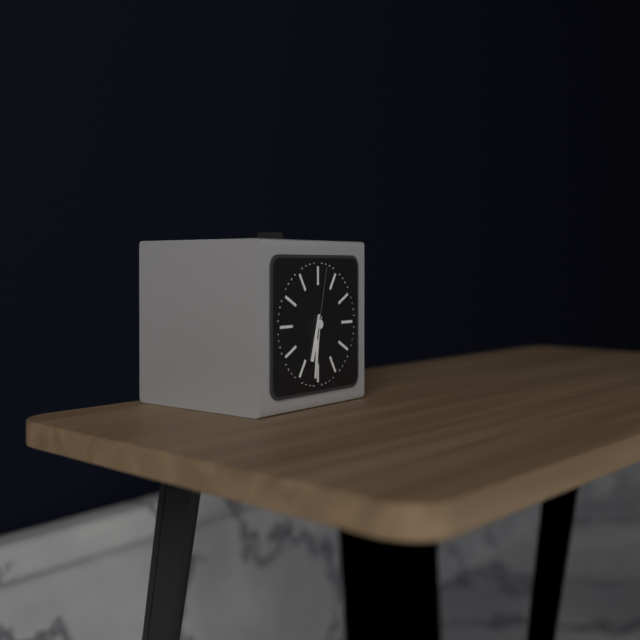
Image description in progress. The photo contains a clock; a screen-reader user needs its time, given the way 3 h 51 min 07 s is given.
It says 6 h 31 min 02 s
